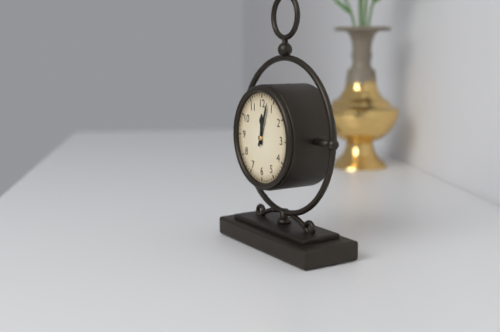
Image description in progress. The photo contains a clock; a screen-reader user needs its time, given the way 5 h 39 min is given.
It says 12 h 03 min
